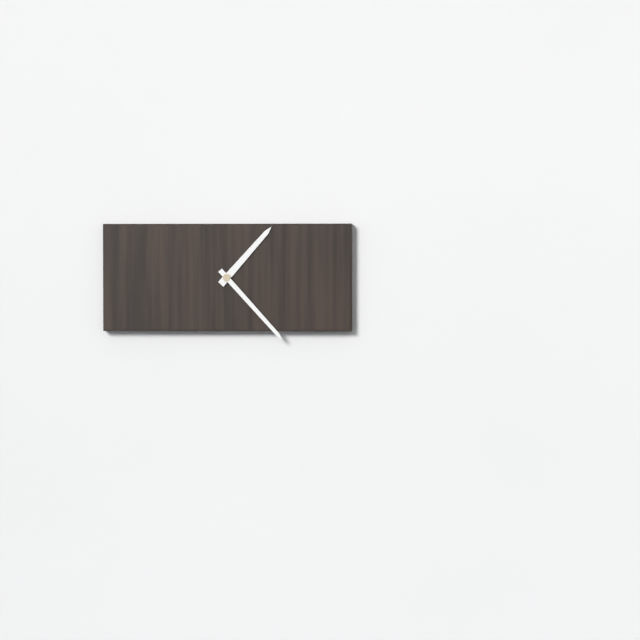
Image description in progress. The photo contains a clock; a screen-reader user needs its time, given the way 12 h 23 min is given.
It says 1 h 23 min
